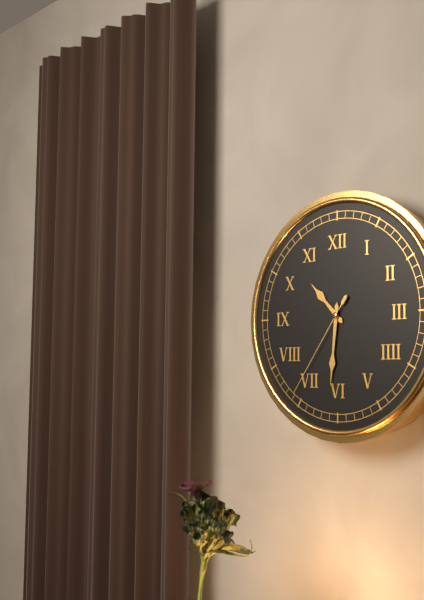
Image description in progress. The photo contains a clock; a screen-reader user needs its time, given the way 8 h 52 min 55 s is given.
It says 10 h 31 min 36 s
